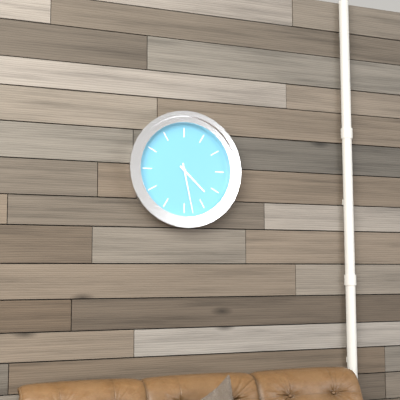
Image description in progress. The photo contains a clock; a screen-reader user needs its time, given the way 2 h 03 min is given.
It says 4 h 28 min
